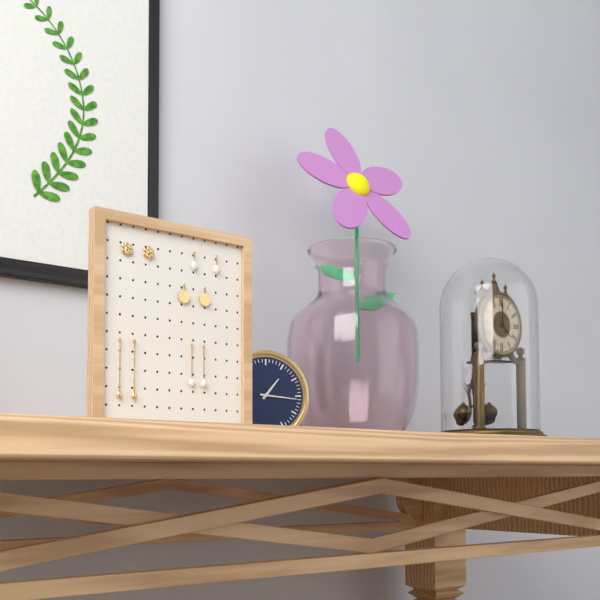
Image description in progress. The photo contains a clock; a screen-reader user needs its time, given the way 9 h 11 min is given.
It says 1 h 16 min
